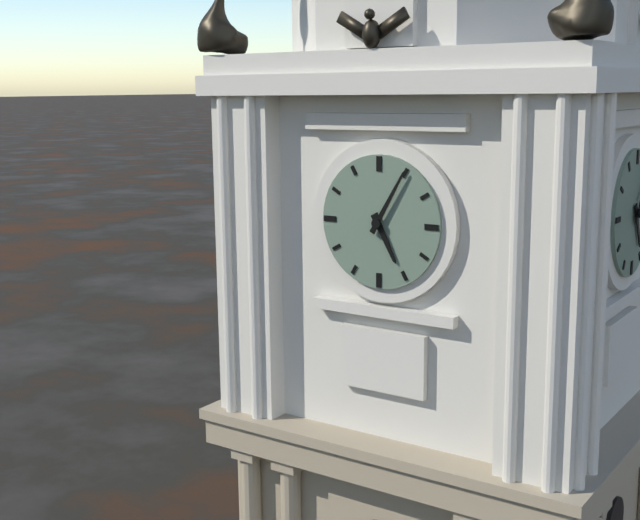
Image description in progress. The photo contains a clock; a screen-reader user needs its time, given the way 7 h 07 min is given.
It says 5 h 05 min
